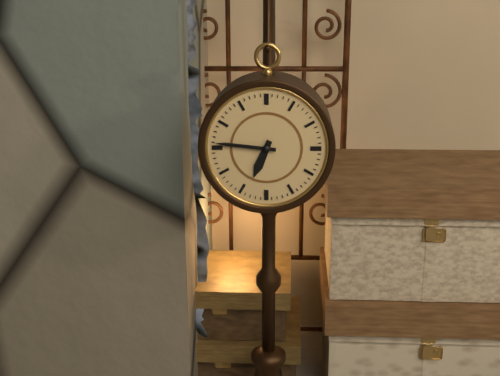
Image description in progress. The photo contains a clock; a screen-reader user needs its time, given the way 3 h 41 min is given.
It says 6 h 46 min
